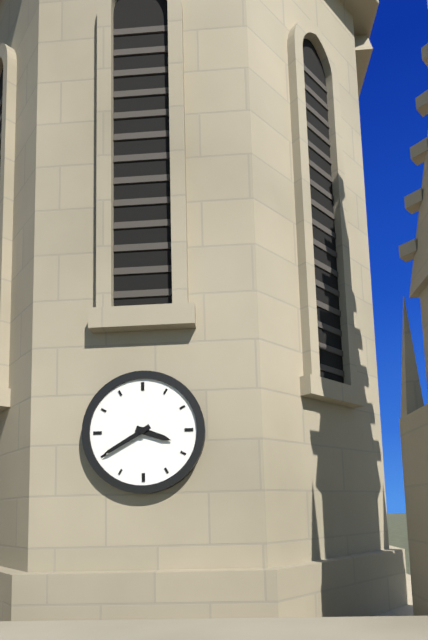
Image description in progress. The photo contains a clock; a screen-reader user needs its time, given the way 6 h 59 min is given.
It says 3 h 40 min
